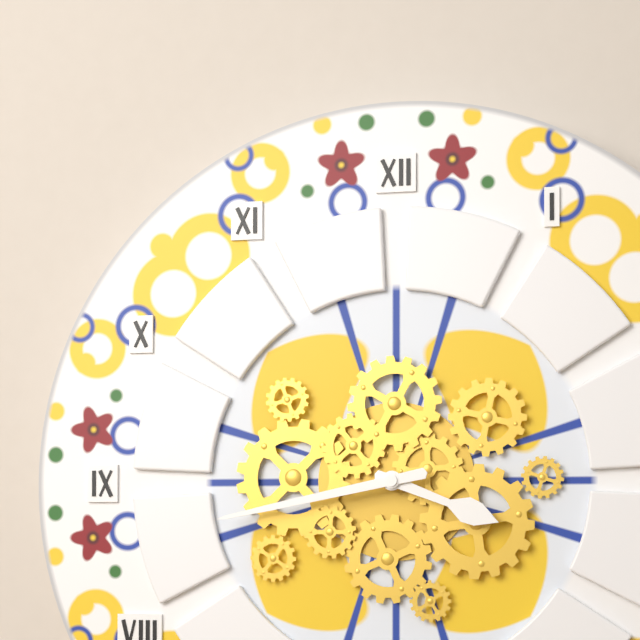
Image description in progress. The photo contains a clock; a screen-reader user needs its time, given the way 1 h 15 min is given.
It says 3 h 43 min
